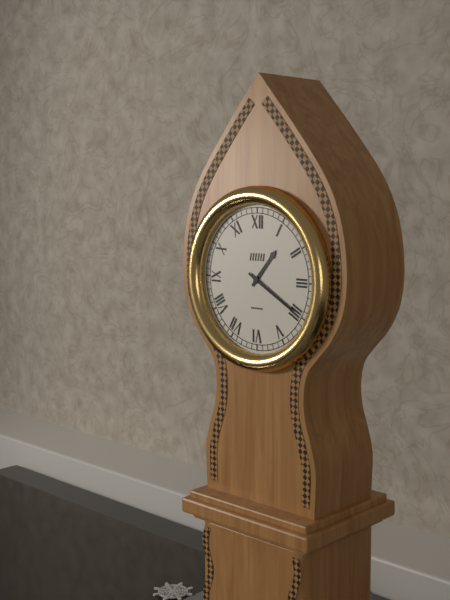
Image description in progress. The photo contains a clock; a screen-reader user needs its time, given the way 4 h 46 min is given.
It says 1 h 20 min
